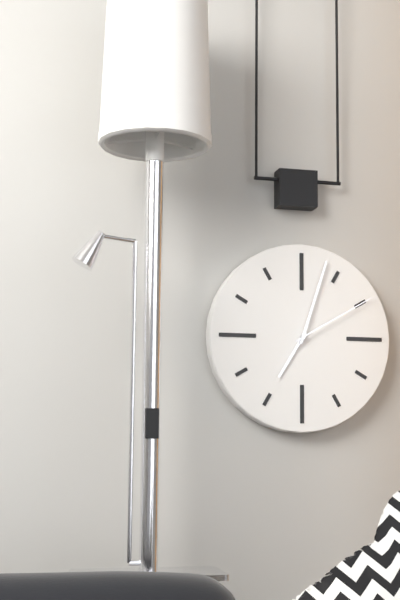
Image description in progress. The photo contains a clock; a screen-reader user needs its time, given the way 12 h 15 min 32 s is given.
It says 7 h 03 min 10 s
